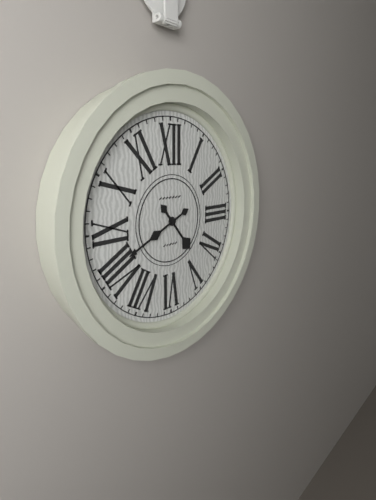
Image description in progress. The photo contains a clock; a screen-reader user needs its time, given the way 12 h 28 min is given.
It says 4 h 41 min
